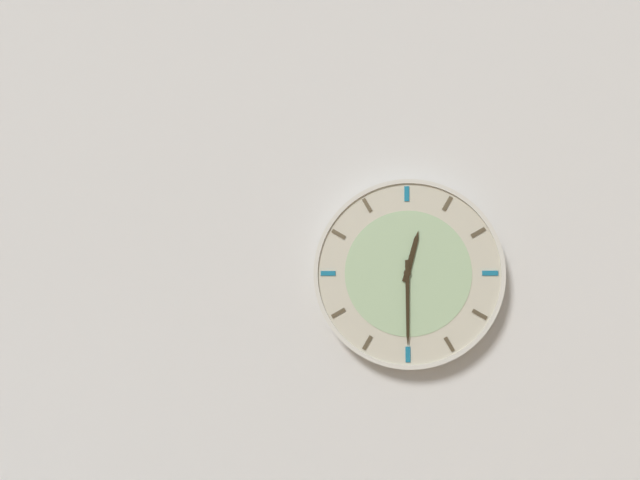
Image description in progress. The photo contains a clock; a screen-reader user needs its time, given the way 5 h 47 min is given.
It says 12 h 30 min
